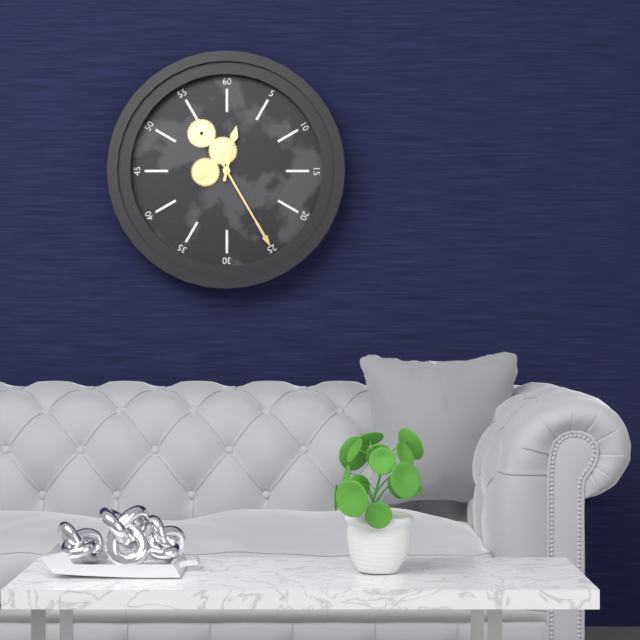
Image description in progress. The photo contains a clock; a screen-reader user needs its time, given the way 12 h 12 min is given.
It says 12 h 25 min
